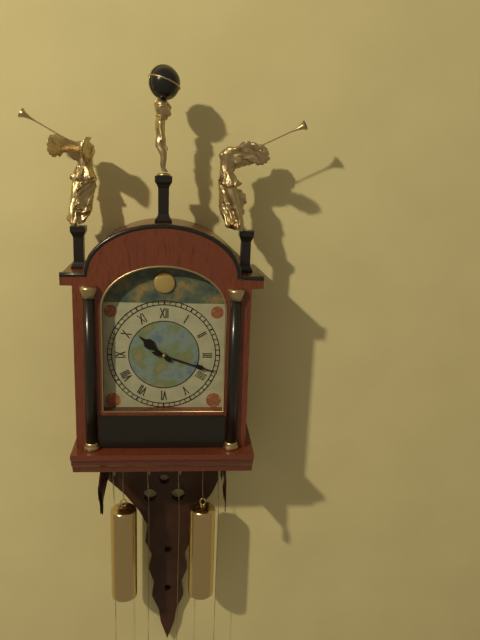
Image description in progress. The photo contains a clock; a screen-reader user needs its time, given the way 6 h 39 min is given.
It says 10 h 18 min
